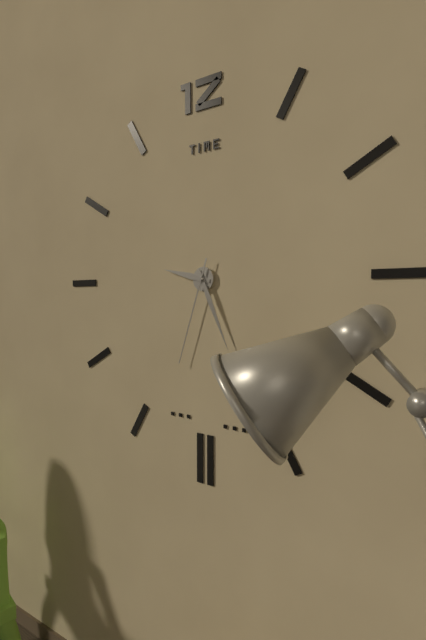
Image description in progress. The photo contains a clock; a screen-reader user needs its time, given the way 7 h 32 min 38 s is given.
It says 9 h 26 min 33 s
